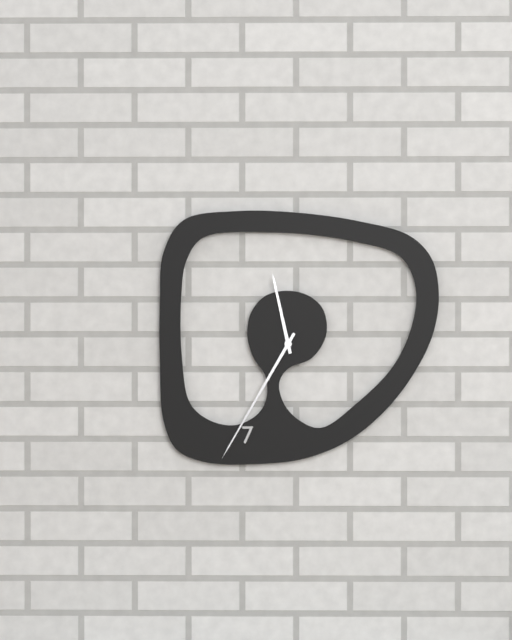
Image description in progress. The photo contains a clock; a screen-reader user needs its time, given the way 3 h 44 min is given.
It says 11 h 35 min
